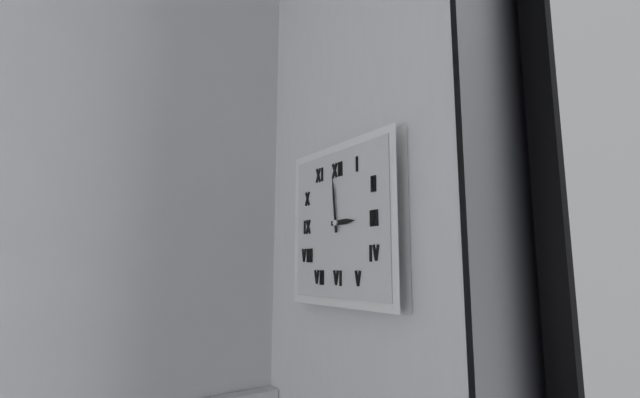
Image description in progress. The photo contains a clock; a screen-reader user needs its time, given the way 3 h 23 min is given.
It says 2 h 59 min
